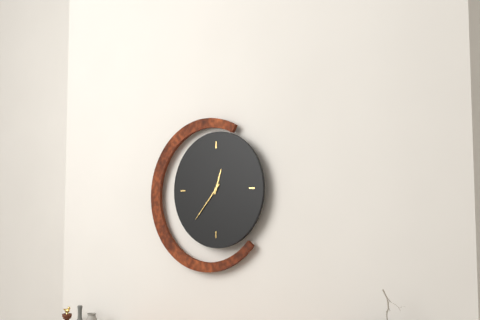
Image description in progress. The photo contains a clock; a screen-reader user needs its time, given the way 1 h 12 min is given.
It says 12 h 37 min
